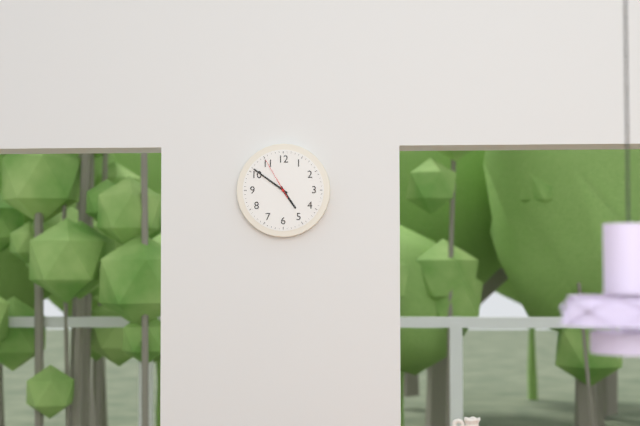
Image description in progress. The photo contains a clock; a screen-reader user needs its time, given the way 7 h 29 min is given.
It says 4 h 51 min
